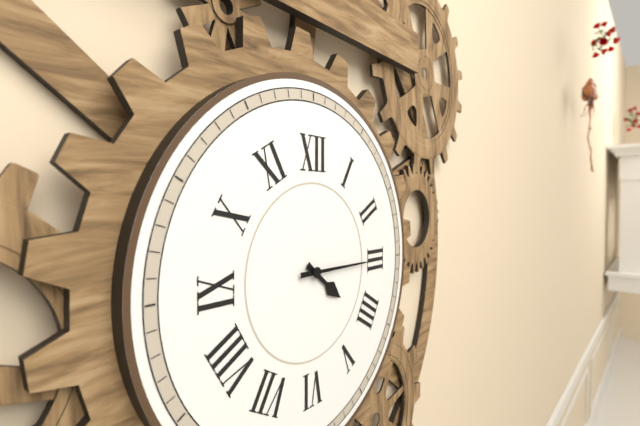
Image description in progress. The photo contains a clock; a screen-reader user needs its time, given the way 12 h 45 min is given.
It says 4 h 15 min
